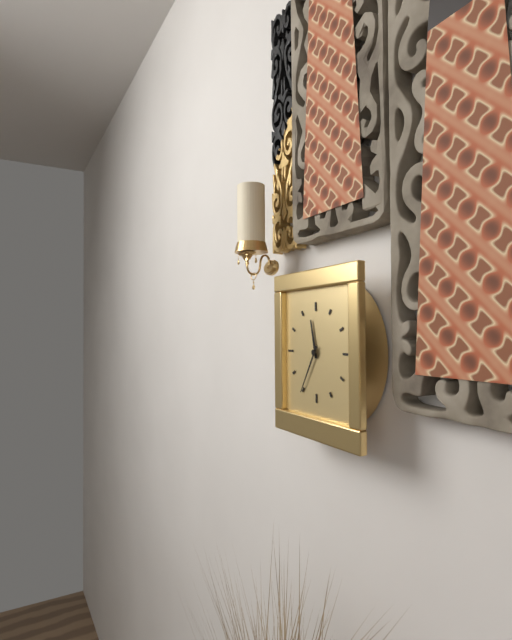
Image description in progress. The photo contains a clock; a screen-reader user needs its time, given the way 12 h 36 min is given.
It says 11 h 35 min
